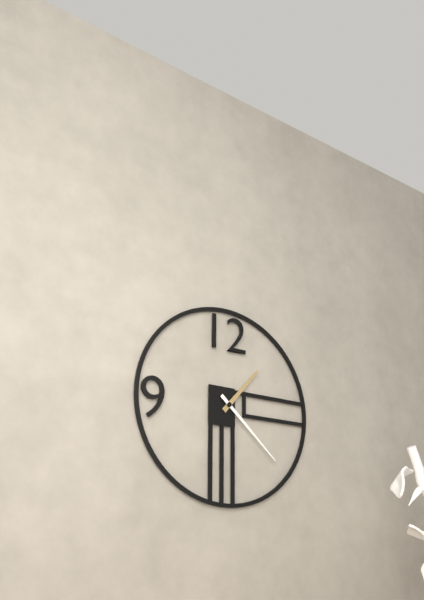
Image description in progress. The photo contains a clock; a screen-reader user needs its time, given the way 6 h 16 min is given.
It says 1 h 22 min
